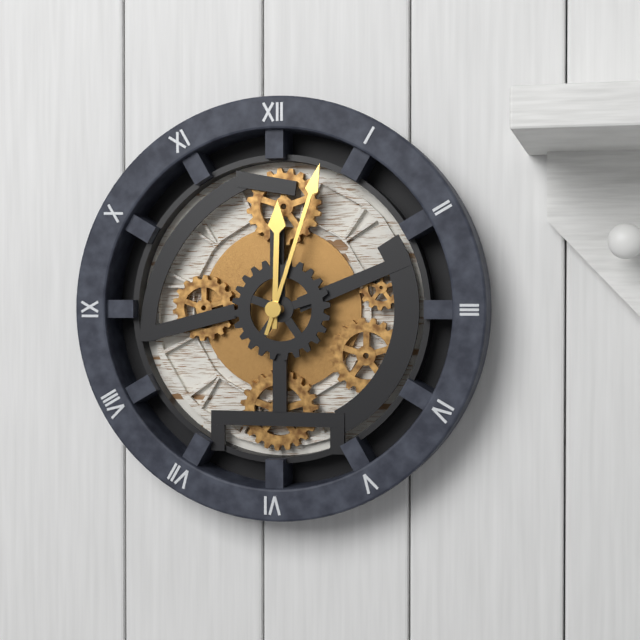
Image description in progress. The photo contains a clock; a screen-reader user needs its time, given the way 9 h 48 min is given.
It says 12 h 03 min
